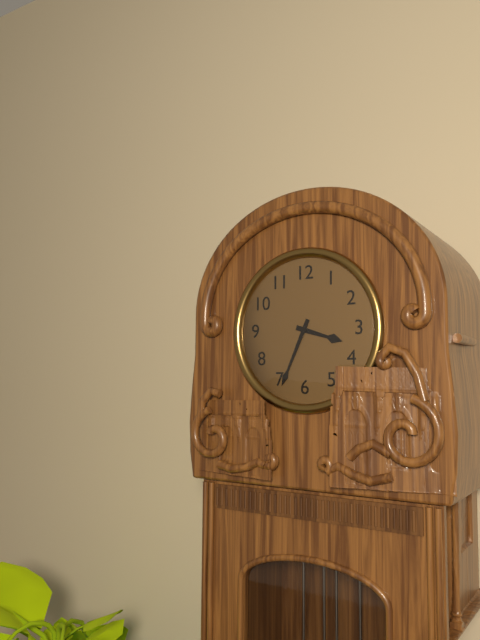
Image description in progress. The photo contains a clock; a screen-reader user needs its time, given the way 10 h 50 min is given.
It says 3 h 34 min
